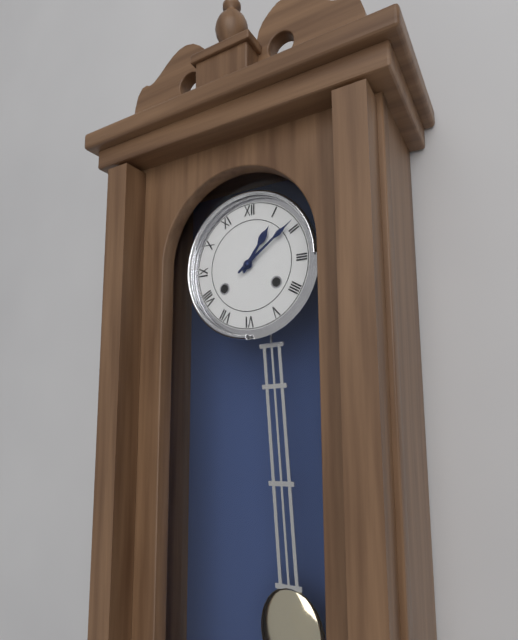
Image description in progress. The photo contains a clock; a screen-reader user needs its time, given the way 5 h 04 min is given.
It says 1 h 09 min
